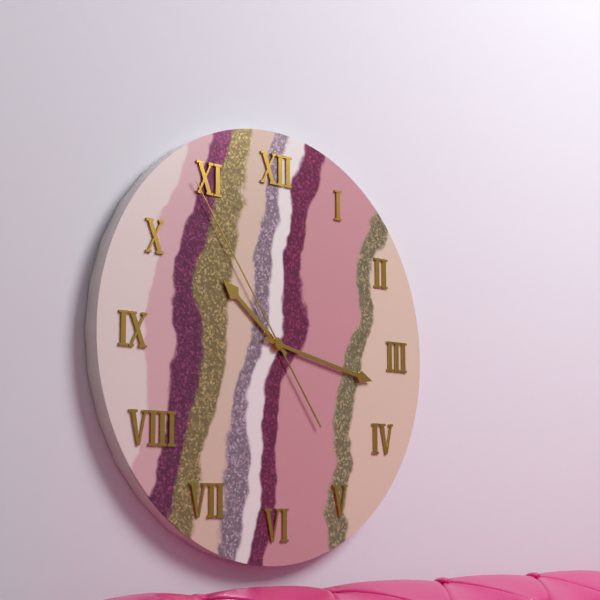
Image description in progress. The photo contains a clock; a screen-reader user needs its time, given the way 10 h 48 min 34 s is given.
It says 10 h 17 min 54 s
